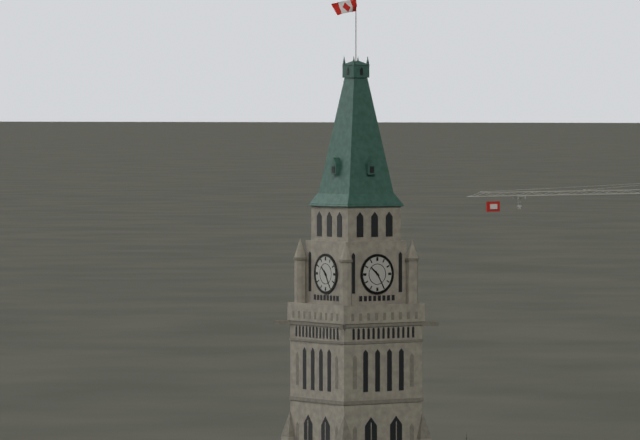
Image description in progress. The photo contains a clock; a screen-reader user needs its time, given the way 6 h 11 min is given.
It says 10 h 25 min
